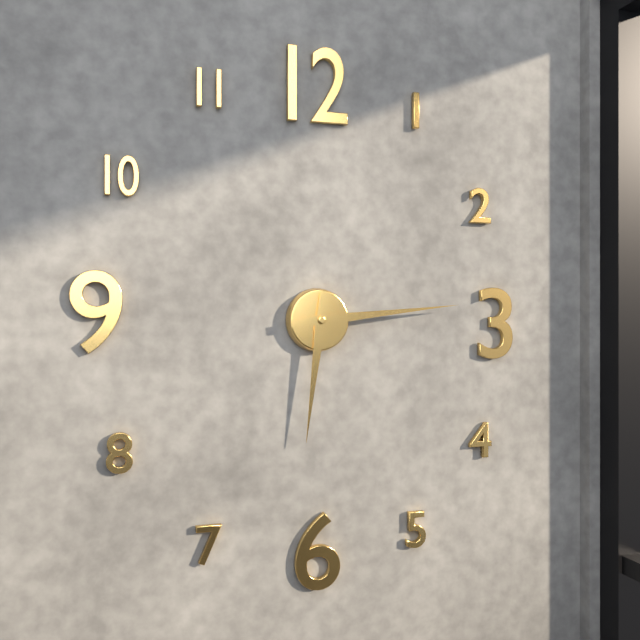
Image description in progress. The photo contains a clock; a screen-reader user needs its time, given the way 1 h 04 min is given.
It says 6 h 14 min
